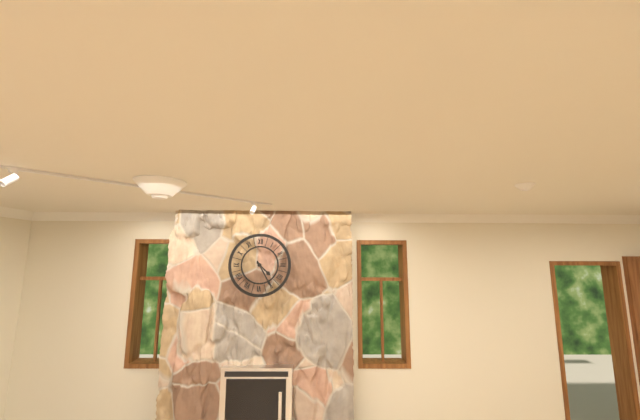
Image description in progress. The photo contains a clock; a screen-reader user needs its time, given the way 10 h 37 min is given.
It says 4 h 25 min
